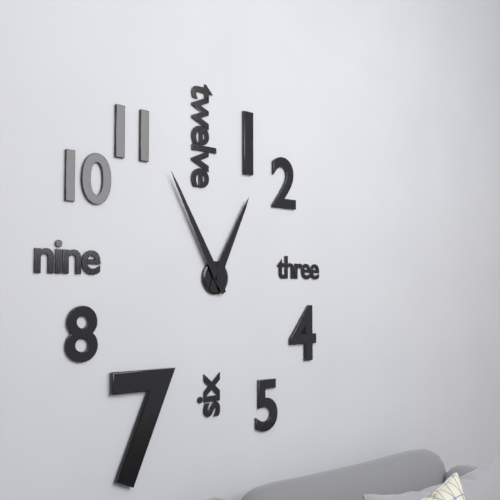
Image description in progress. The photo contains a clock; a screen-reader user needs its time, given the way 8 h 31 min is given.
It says 12 h 55 min
